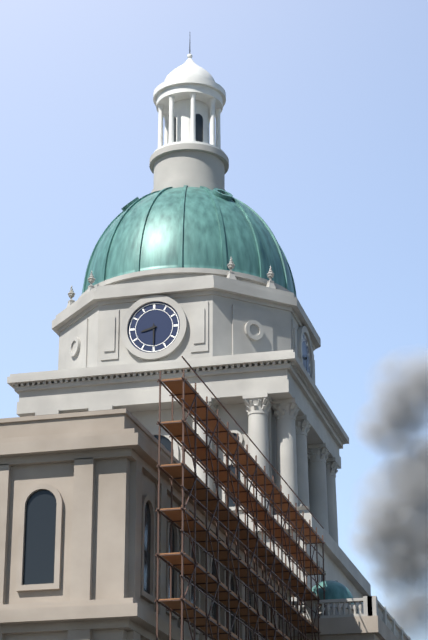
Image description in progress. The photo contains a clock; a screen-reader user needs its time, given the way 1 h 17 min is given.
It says 8 h 30 min
